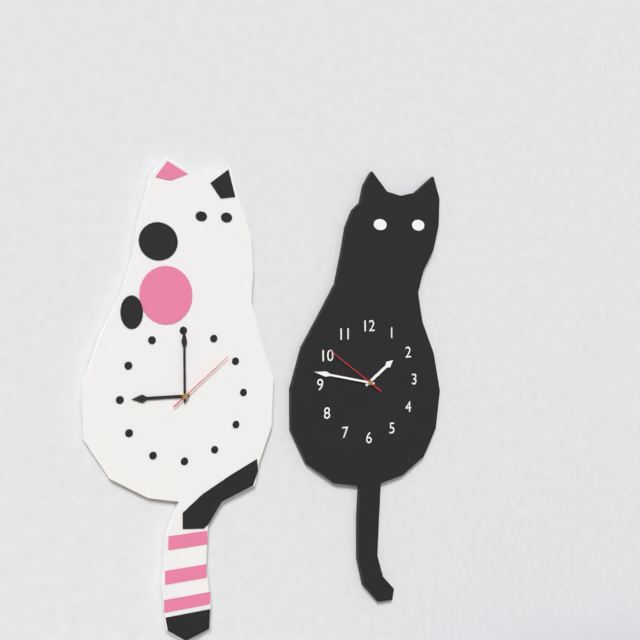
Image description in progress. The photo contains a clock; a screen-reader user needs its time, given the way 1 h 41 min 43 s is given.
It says 1 h 47 min 51 s
